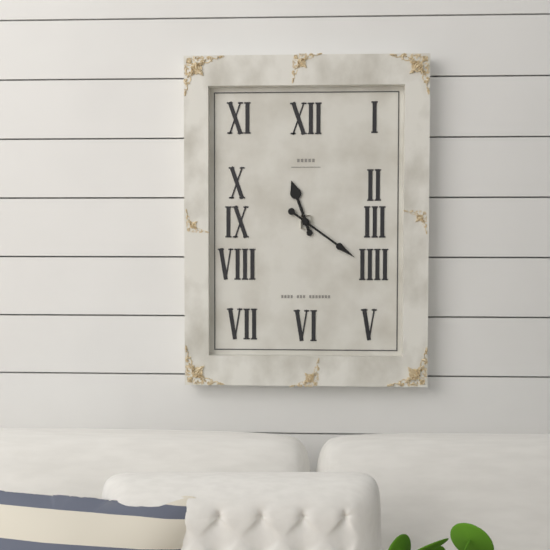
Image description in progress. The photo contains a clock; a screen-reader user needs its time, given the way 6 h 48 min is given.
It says 11 h 21 min
